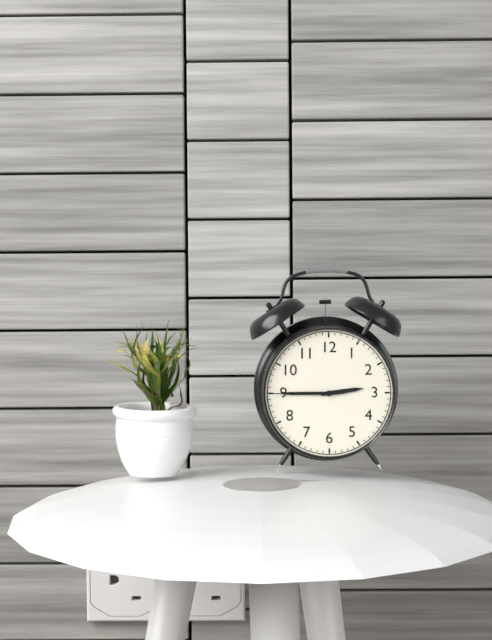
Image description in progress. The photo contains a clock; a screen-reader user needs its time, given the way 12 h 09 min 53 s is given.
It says 2 h 45 min 45 s
